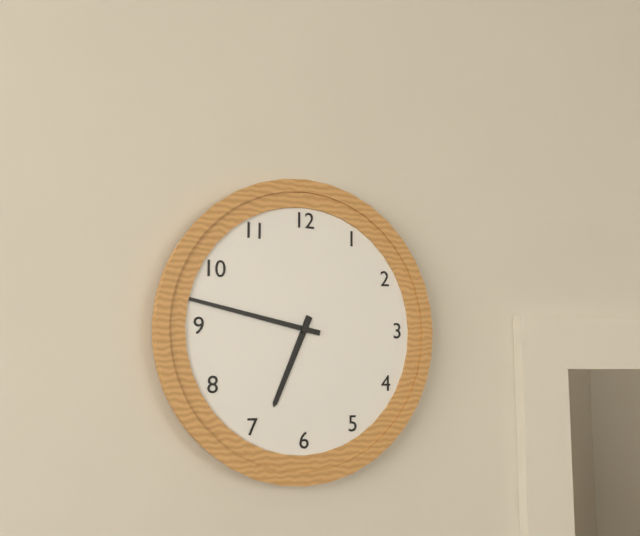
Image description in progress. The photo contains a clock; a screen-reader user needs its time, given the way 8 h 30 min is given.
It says 6 h 47 min
